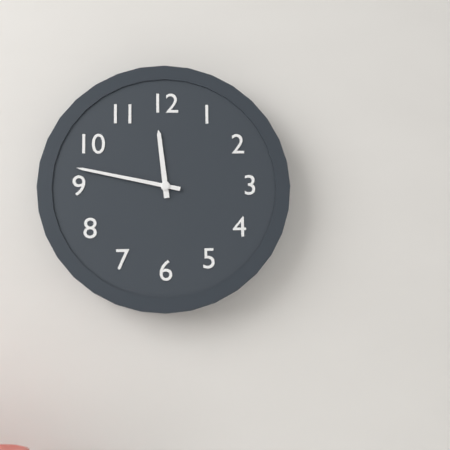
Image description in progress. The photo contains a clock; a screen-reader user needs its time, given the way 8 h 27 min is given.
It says 11 h 47 min
